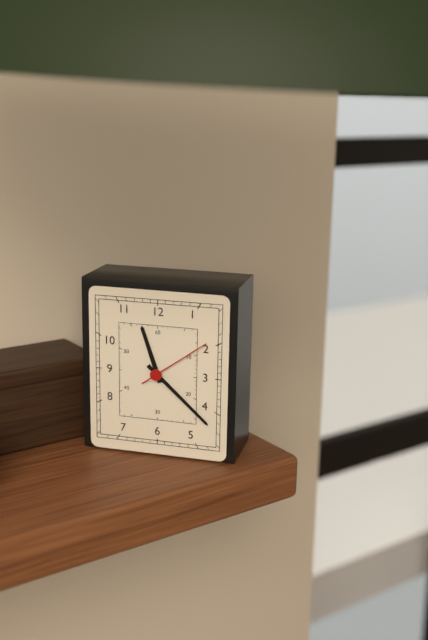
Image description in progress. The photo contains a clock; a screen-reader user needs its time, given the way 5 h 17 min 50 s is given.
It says 11 h 22 min 09 s
